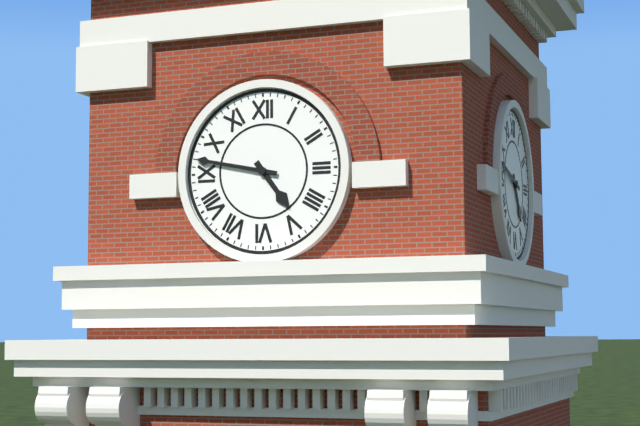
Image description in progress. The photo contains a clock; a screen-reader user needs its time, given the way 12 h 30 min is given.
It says 4 h 47 min
